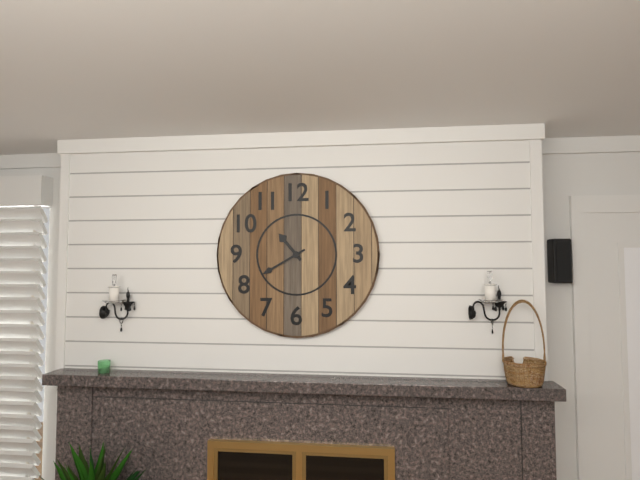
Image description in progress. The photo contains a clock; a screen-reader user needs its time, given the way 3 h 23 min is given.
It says 10 h 40 min
